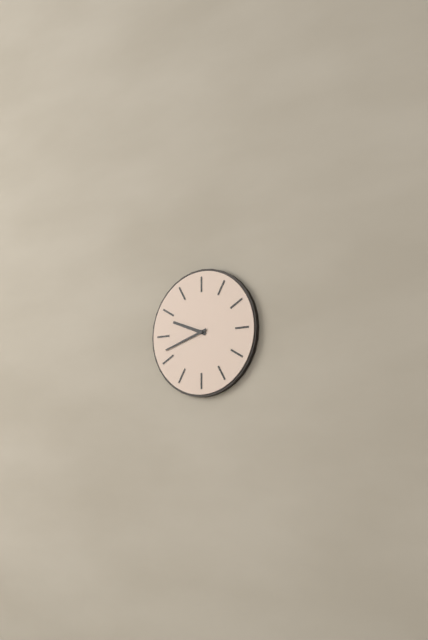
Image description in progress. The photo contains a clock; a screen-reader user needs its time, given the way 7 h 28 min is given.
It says 9 h 42 min
